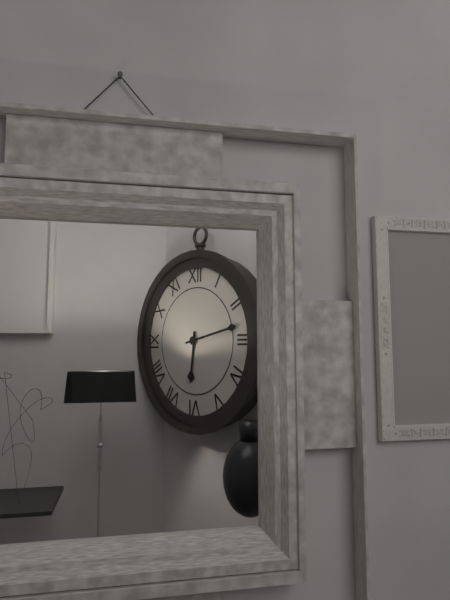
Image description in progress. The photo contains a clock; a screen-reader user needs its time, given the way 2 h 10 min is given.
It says 6 h 13 min
